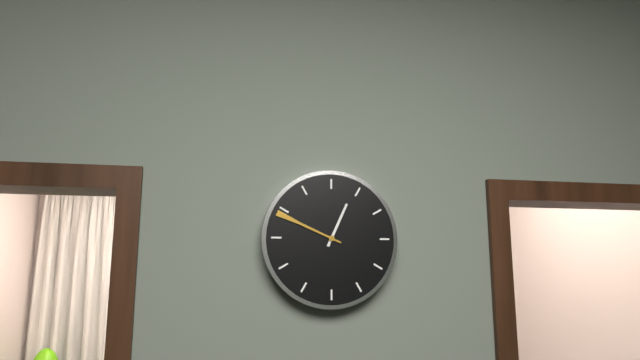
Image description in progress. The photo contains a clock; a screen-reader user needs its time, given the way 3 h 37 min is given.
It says 12 h 49 min
